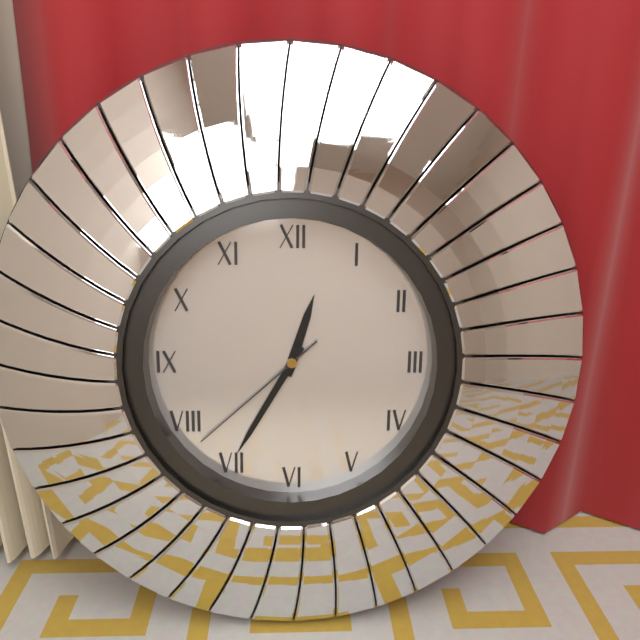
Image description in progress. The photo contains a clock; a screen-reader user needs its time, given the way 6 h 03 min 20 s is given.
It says 12 h 35 min 38 s
